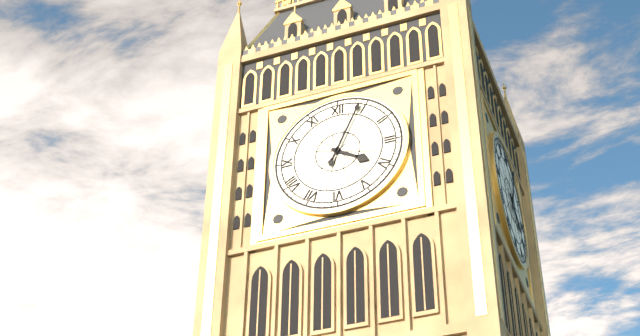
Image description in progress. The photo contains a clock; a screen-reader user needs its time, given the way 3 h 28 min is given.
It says 4 h 04 min
